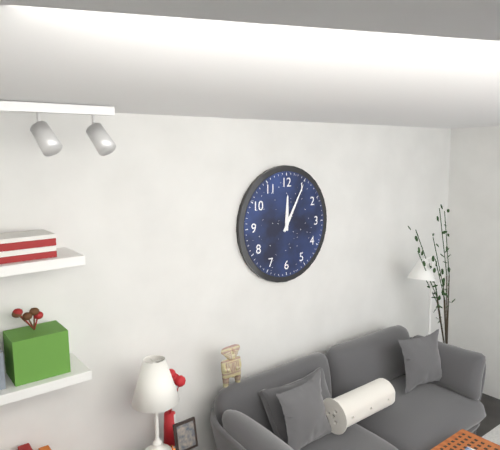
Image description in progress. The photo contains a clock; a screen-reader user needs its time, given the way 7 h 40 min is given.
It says 12 h 05 min
